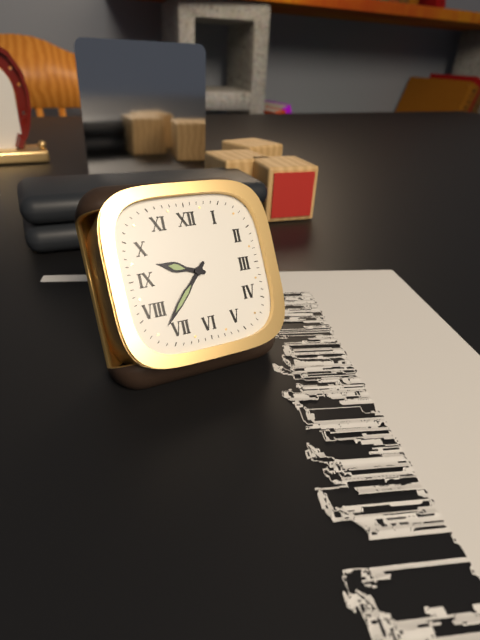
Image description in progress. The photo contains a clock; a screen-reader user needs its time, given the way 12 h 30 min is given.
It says 9 h 37 min
